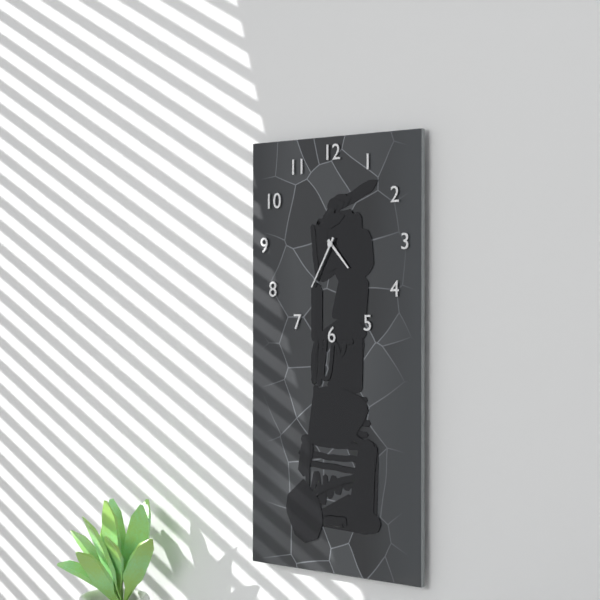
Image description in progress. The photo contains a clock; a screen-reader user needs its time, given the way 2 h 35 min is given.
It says 4 h 35 min
